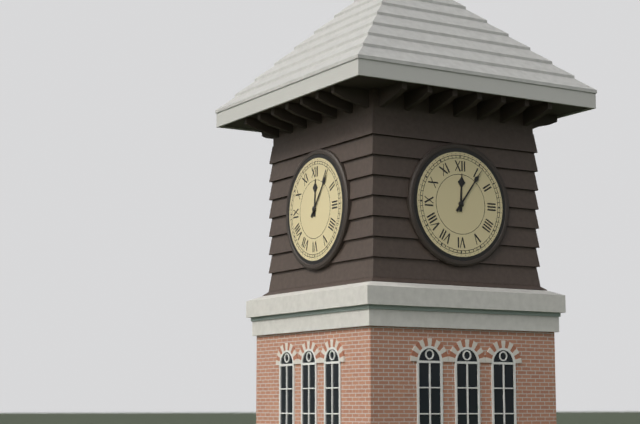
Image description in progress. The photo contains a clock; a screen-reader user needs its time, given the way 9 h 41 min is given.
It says 12 h 06 min
